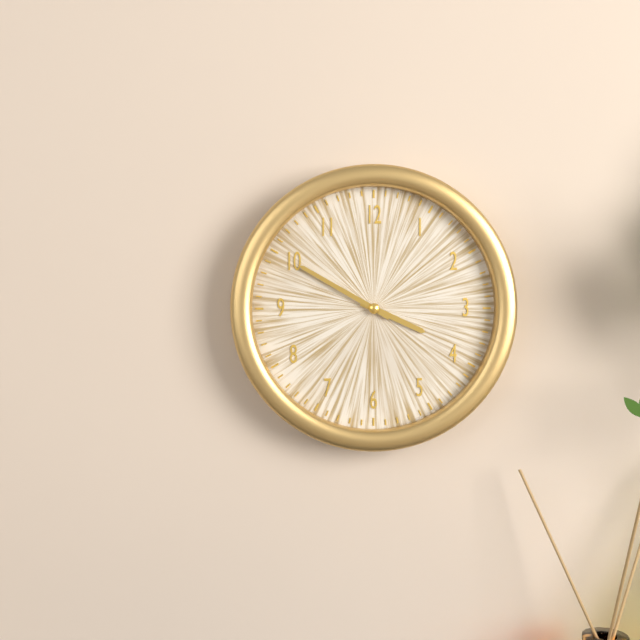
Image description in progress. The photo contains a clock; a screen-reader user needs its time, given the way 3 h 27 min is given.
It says 3 h 50 min
